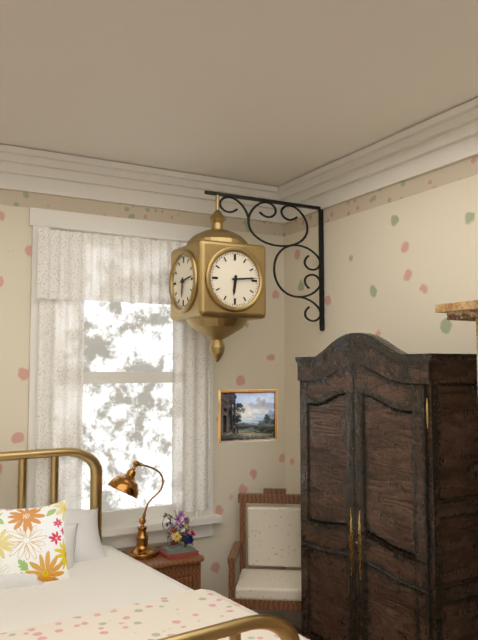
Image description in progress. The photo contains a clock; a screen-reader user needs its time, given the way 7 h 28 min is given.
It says 6 h 14 min
